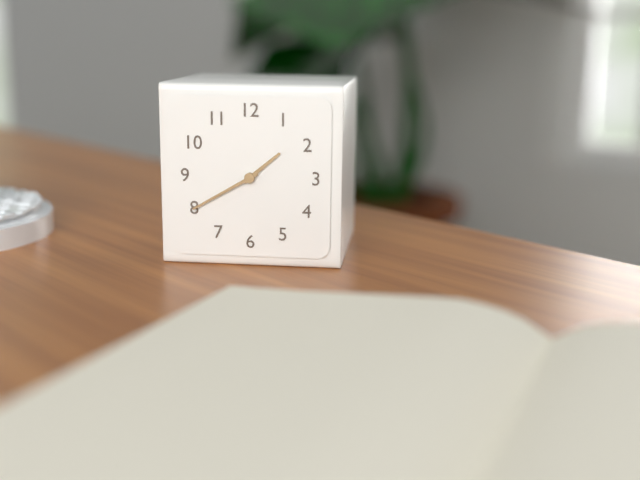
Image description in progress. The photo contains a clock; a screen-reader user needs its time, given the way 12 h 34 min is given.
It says 1 h 40 min
